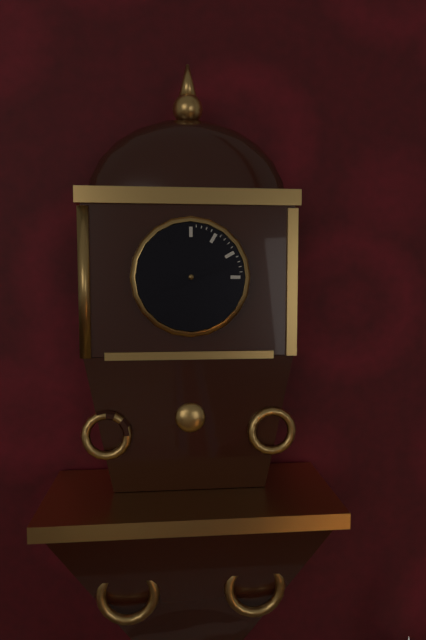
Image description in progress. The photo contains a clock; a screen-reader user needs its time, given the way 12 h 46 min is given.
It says 8 h 12 min
